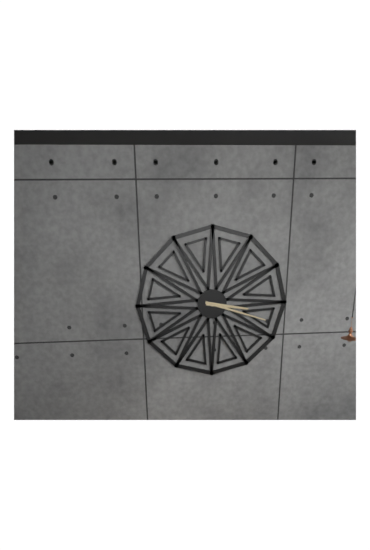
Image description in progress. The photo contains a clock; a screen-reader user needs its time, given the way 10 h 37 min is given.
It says 3 h 18 min
